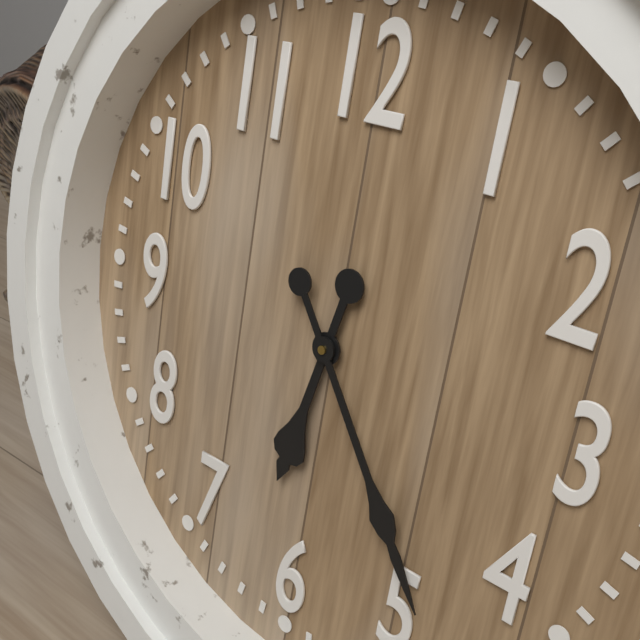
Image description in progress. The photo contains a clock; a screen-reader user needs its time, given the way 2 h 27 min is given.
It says 6 h 24 min
